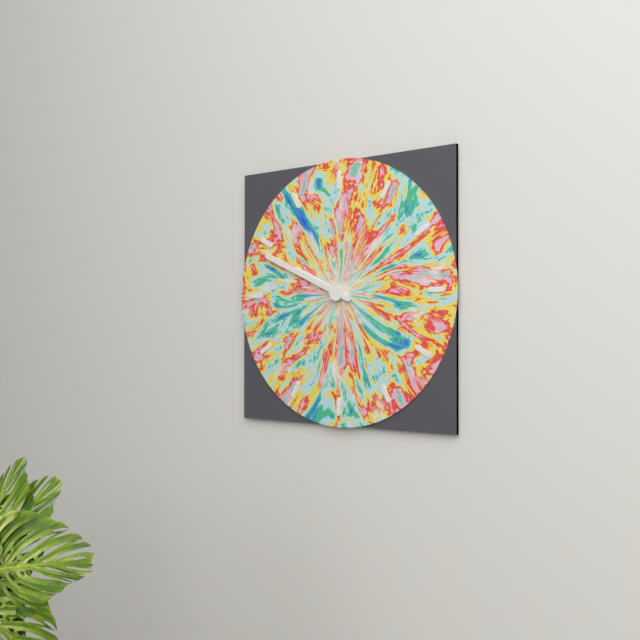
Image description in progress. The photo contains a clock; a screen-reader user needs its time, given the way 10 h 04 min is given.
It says 9 h 49 min
